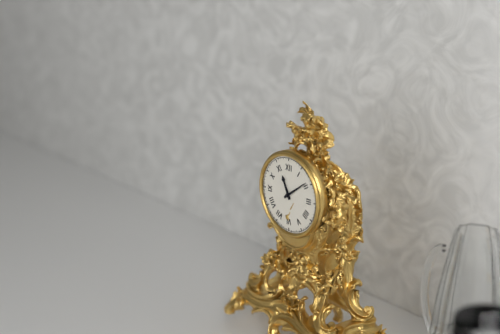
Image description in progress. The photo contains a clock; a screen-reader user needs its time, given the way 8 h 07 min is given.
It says 11 h 09 min
